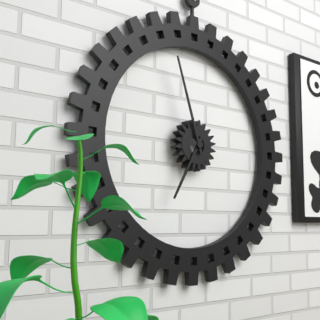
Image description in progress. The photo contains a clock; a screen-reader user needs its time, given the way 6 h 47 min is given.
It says 6 h 57 min
